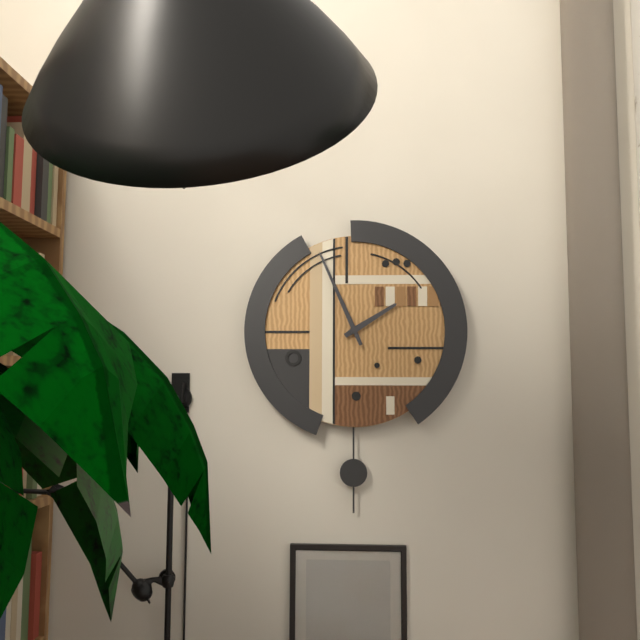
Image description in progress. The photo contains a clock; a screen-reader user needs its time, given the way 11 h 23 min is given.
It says 1 h 56 min
